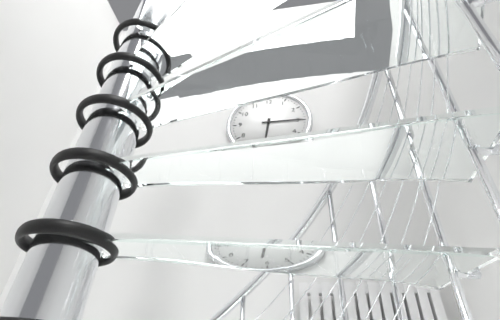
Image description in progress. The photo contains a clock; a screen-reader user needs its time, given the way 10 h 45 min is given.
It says 6 h 15 min
